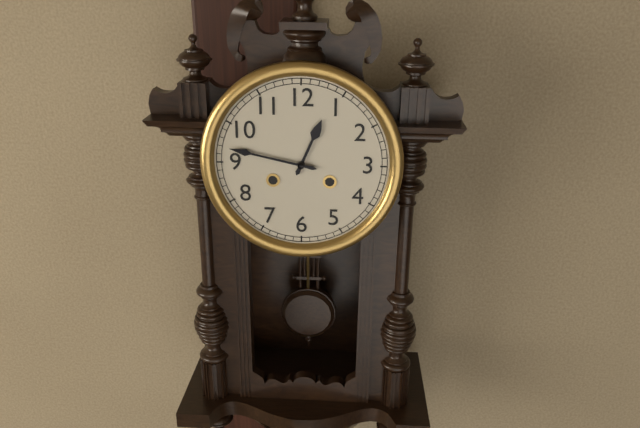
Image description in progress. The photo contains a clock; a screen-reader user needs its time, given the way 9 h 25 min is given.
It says 12 h 47 min
